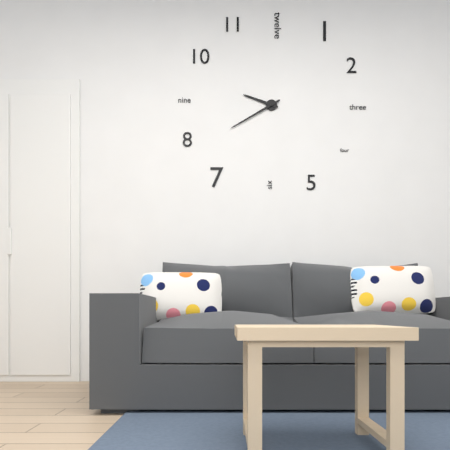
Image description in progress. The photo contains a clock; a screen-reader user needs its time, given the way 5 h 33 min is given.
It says 9 h 40 min
